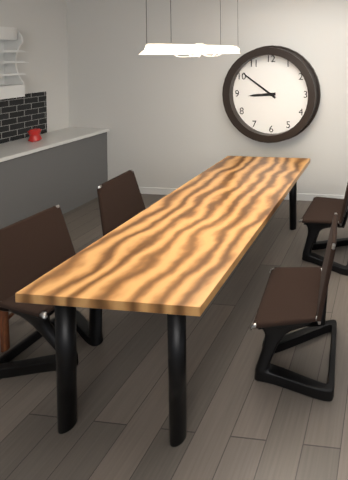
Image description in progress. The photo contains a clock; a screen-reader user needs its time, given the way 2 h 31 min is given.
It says 8 h 51 min
